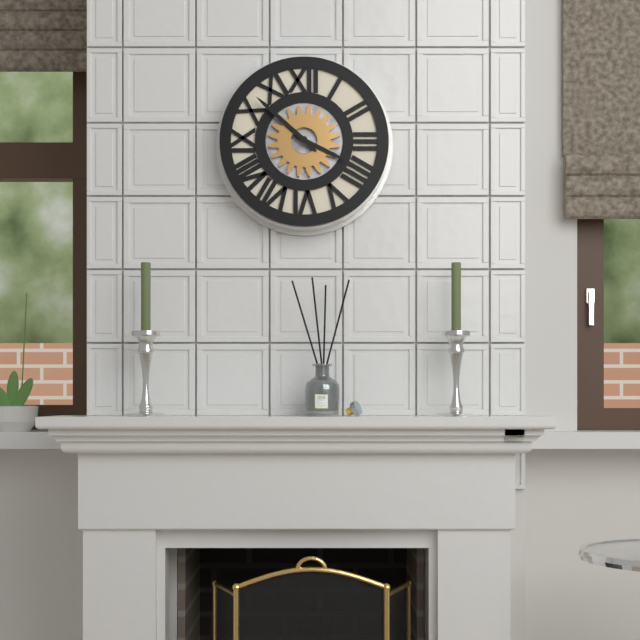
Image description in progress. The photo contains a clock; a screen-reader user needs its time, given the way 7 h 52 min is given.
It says 3 h 52 min
